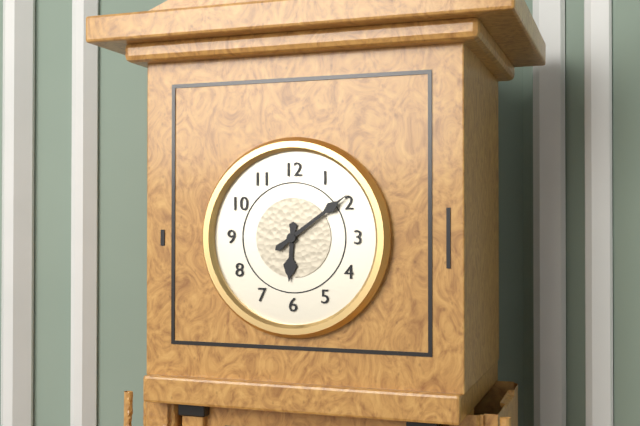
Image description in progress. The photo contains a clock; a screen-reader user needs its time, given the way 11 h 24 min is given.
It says 6 h 09 min
